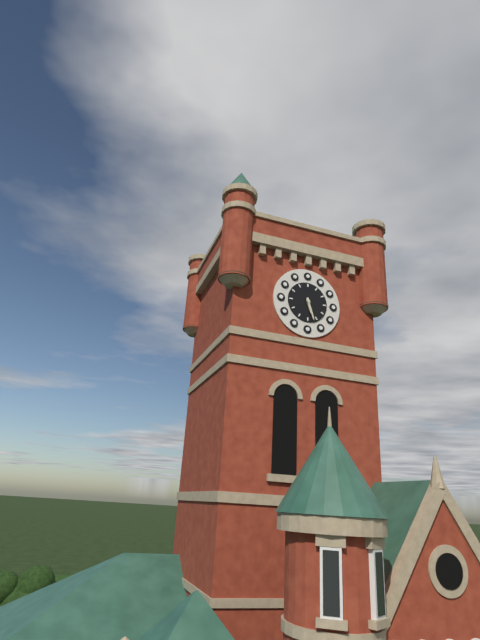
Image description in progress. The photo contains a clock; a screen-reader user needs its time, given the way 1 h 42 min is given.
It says 5 h 27 min
